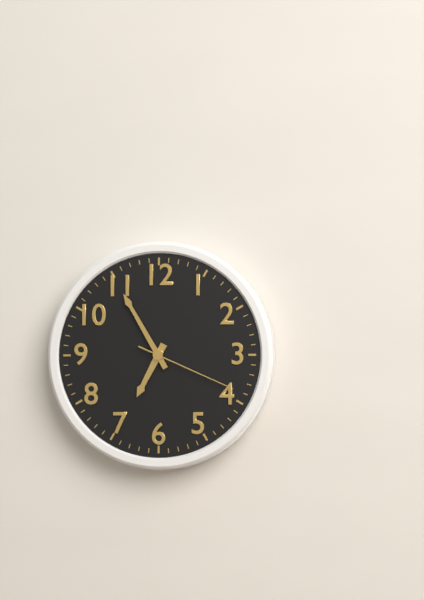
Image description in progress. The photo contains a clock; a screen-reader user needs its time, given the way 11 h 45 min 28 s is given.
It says 6 h 55 min 19 s
